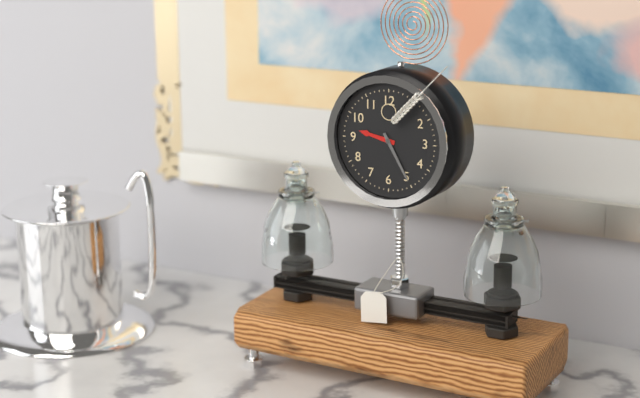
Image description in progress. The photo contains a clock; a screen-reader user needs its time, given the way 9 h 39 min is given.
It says 9 h 25 min
